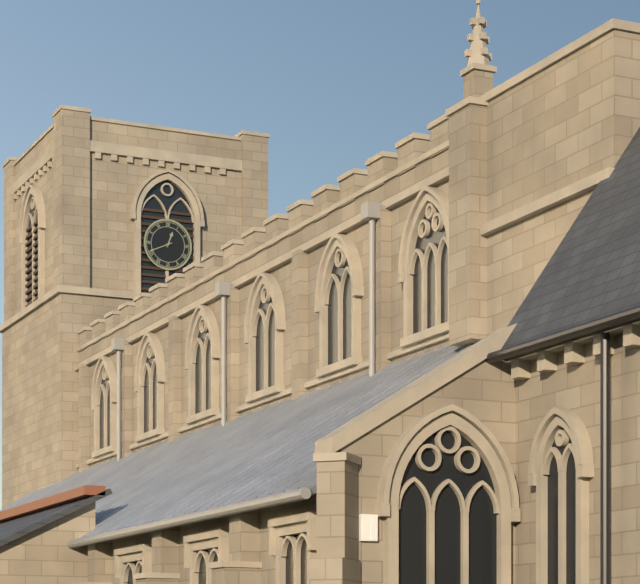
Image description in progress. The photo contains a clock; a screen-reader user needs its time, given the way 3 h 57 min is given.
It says 12 h 41 min
